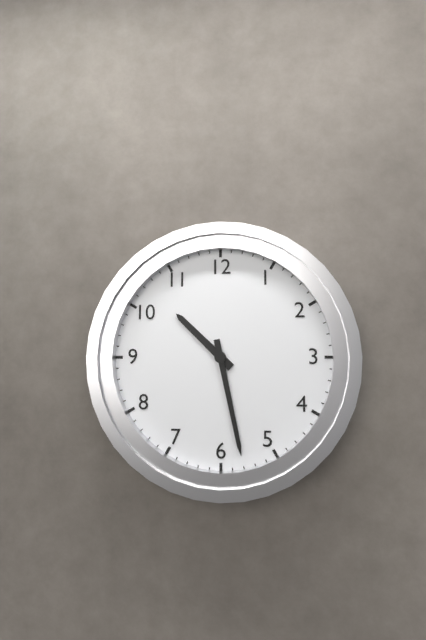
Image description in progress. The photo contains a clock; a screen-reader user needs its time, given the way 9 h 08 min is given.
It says 10 h 28 min
